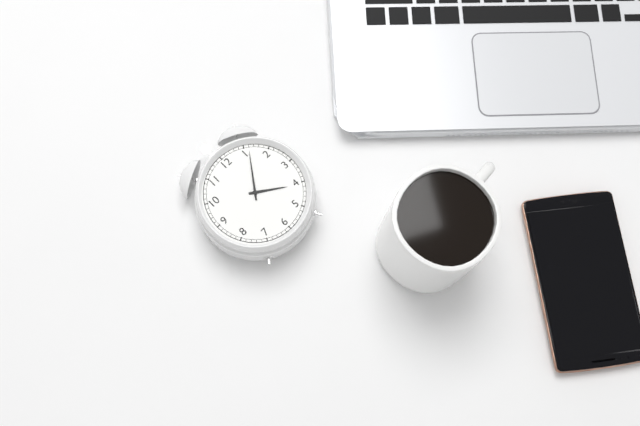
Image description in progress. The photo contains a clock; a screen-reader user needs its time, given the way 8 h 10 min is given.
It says 4 h 06 min
